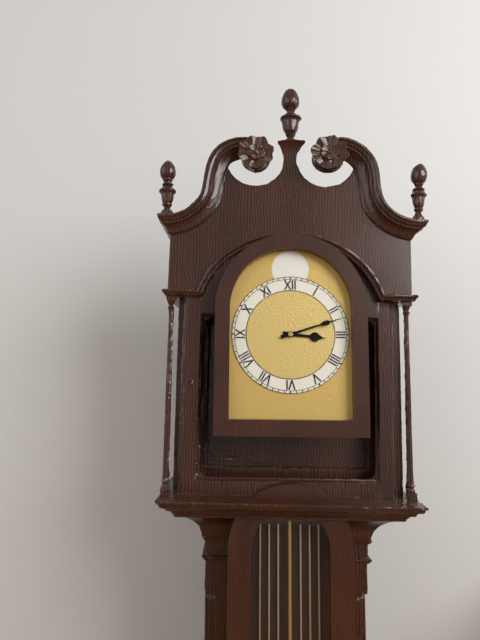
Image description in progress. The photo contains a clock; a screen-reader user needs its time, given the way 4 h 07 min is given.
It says 3 h 12 min
